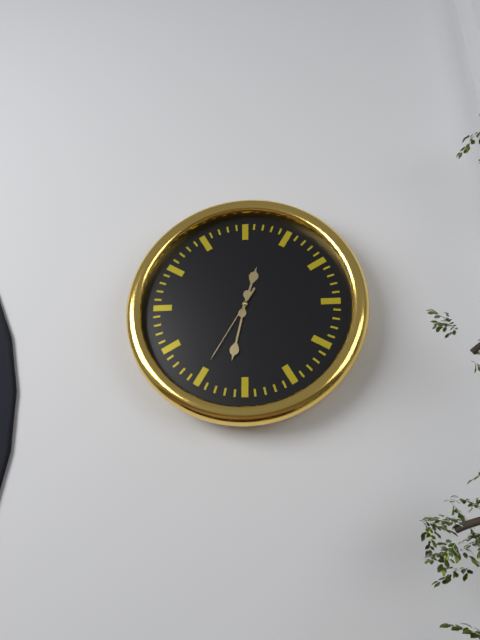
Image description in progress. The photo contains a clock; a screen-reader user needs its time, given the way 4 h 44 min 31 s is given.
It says 12 h 32 min 35 s
